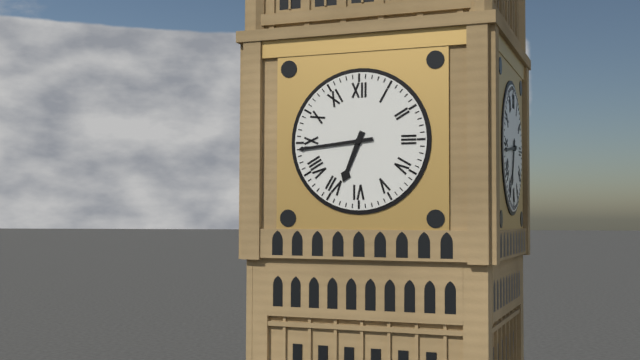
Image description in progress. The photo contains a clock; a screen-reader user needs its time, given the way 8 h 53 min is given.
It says 6 h 44 min
